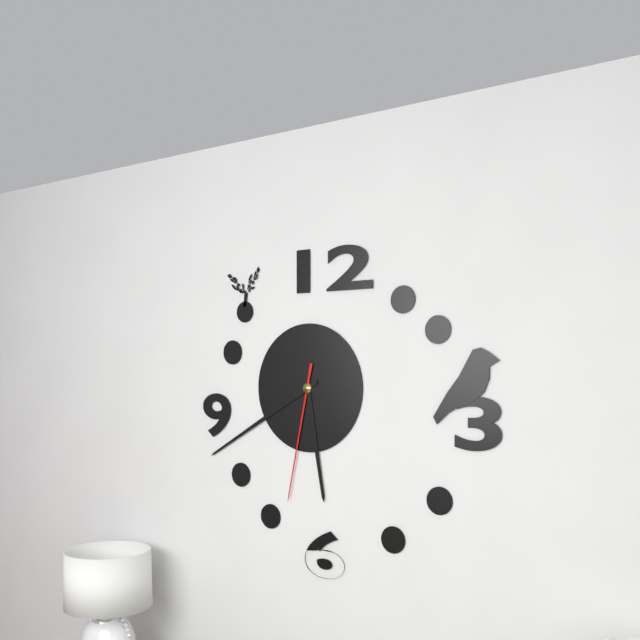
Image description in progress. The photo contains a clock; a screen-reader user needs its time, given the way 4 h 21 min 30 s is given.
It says 5 h 40 min 32 s
